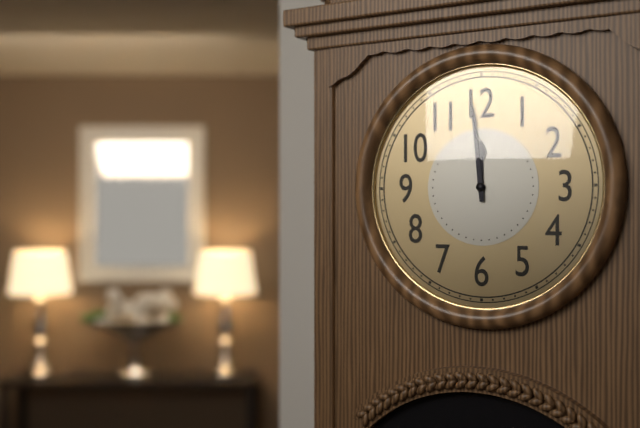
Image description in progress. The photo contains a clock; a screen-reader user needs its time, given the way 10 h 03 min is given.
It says 11 h 59 min
